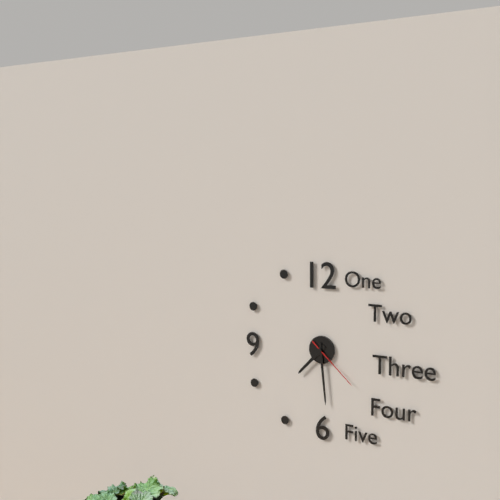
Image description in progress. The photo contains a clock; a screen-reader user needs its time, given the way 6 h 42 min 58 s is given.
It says 7 h 29 min 22 s
